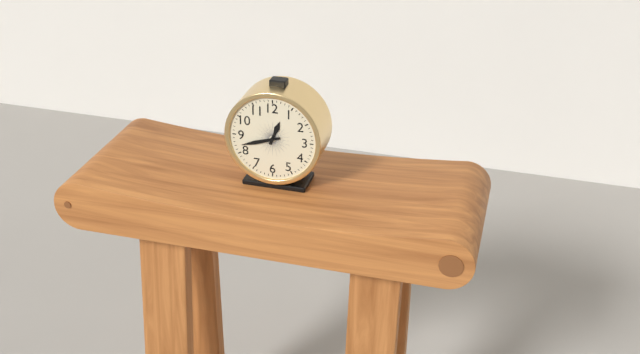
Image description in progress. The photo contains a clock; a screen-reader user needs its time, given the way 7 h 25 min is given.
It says 12 h 42 min
